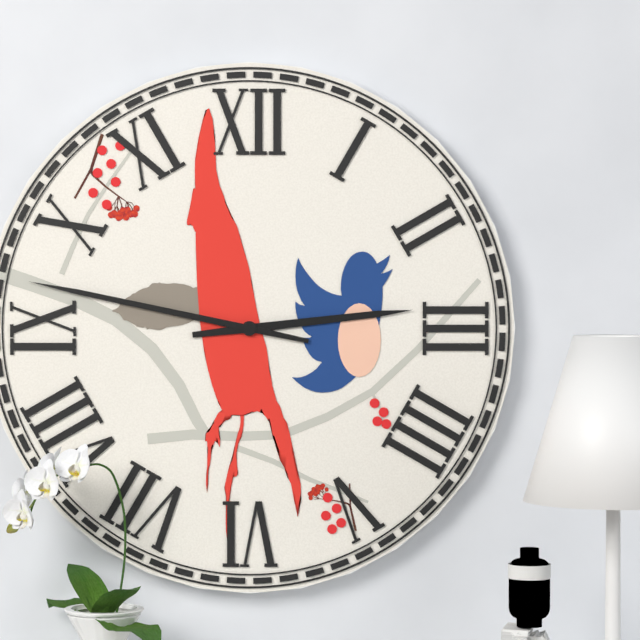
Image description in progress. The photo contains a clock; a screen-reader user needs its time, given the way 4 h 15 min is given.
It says 2 h 47 min
